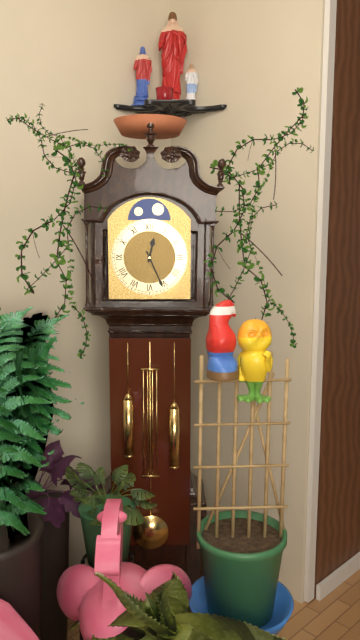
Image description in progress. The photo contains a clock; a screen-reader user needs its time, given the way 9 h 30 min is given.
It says 12 h 26 min
